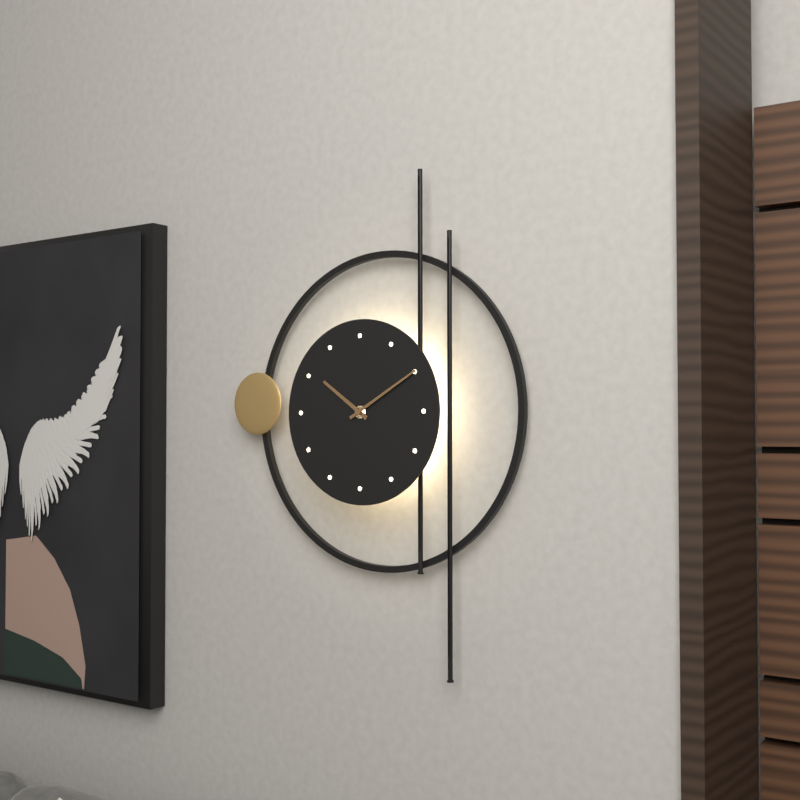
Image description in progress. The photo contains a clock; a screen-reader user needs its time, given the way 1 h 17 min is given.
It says 10 h 10 min
